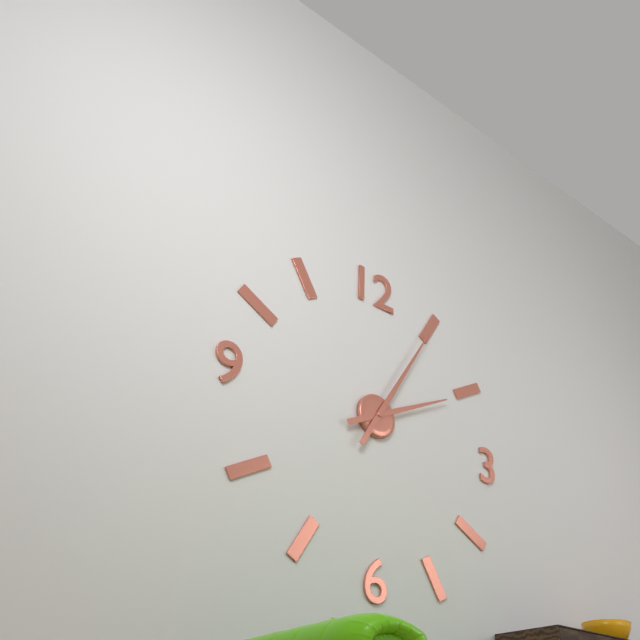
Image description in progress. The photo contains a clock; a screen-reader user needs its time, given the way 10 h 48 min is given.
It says 2 h 05 min
